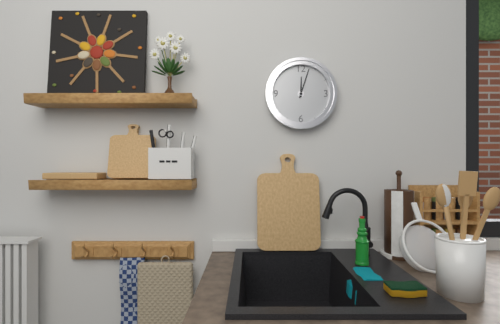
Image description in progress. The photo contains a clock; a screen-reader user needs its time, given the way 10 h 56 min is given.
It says 12 h 03 min
